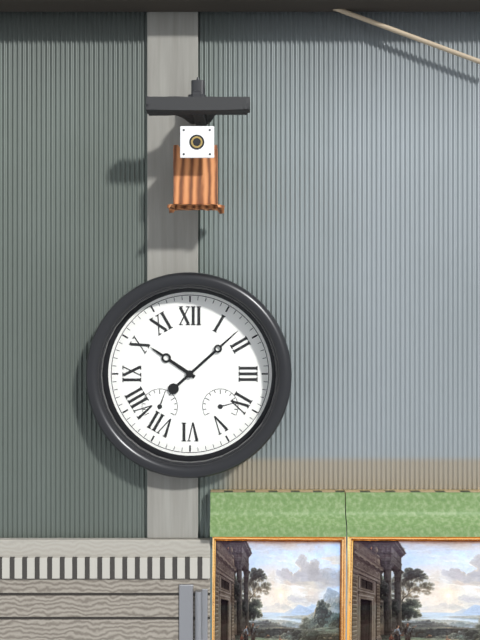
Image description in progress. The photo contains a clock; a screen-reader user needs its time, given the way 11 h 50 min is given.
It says 10 h 08 min
